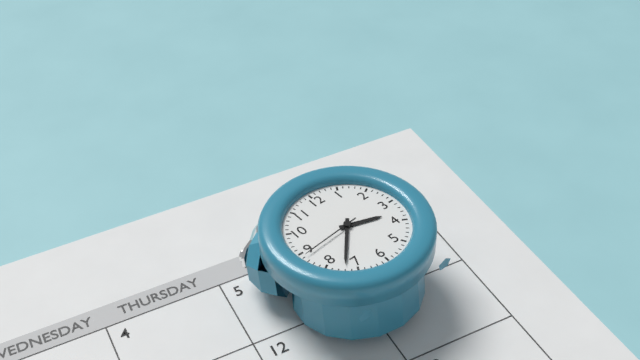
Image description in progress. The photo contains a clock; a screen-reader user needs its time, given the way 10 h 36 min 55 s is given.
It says 3 h 37 min 44 s
